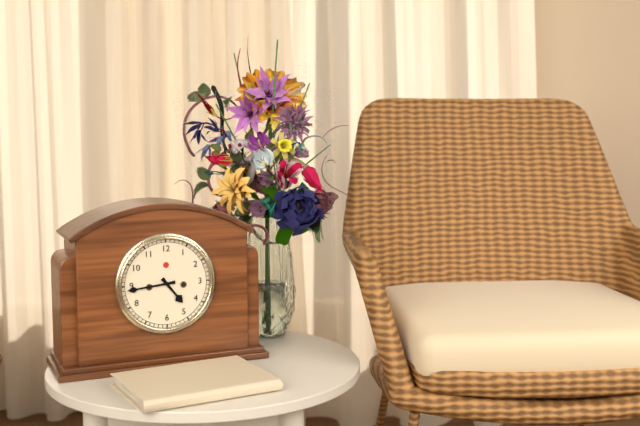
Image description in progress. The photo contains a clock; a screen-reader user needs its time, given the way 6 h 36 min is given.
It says 4 h 44 min
